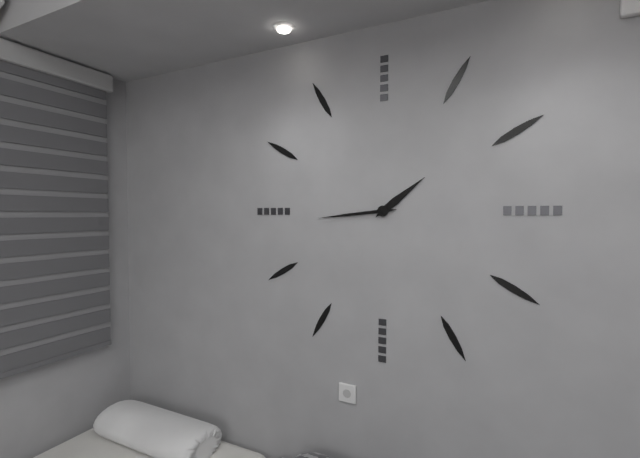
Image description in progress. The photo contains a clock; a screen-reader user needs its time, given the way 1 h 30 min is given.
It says 1 h 44 min
